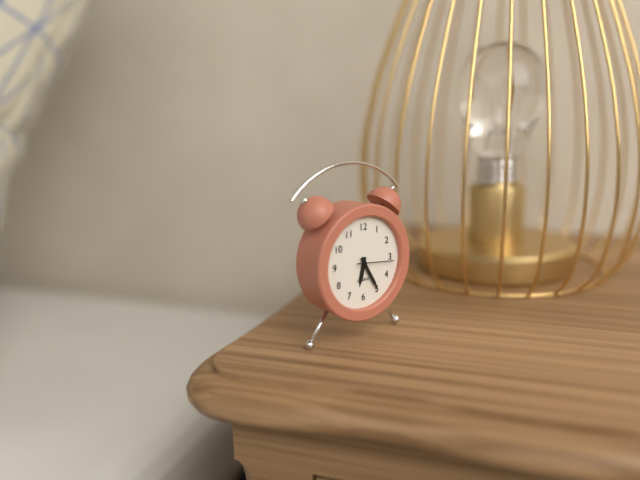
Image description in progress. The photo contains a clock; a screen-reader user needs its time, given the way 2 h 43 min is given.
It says 6 h 25 min
